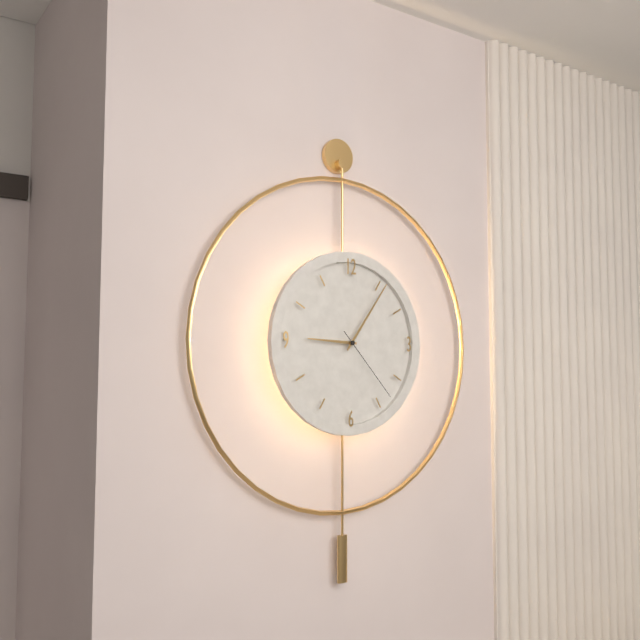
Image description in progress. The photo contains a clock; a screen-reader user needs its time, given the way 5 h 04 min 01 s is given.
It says 9 h 06 min 23 s
